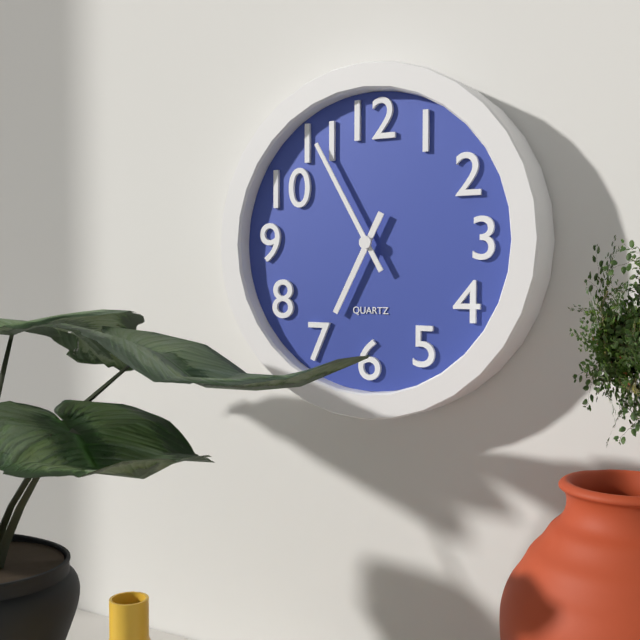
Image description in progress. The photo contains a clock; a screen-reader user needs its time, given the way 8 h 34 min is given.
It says 6 h 55 min
